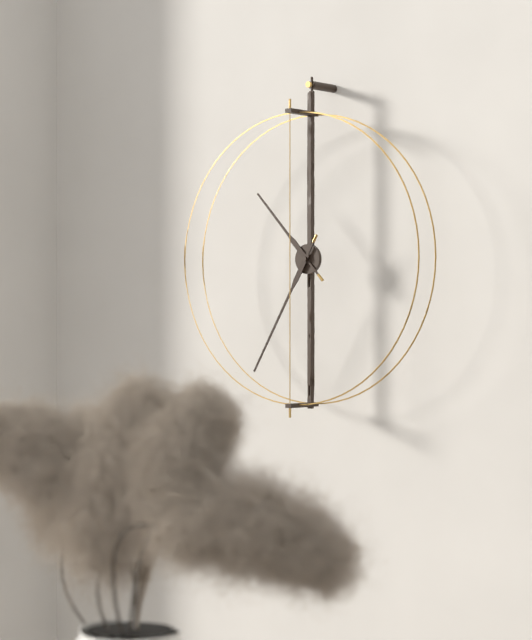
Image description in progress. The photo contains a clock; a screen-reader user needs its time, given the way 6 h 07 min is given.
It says 10 h 35 min
